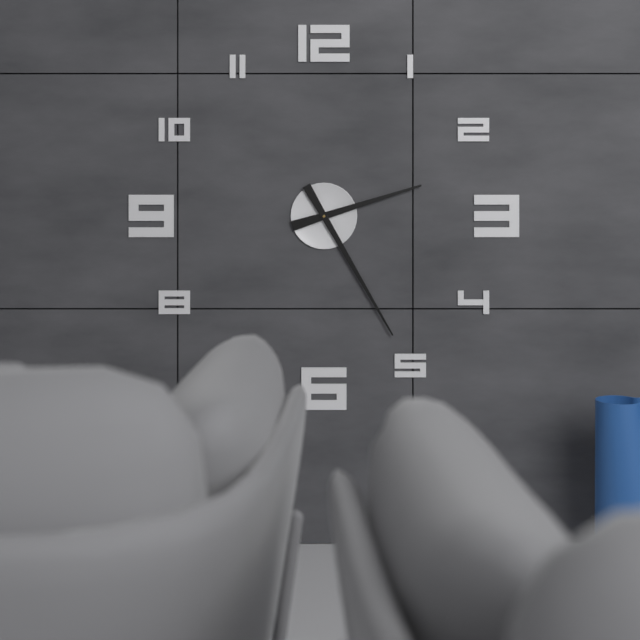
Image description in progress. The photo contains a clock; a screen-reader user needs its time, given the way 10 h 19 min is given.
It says 2 h 25 min
